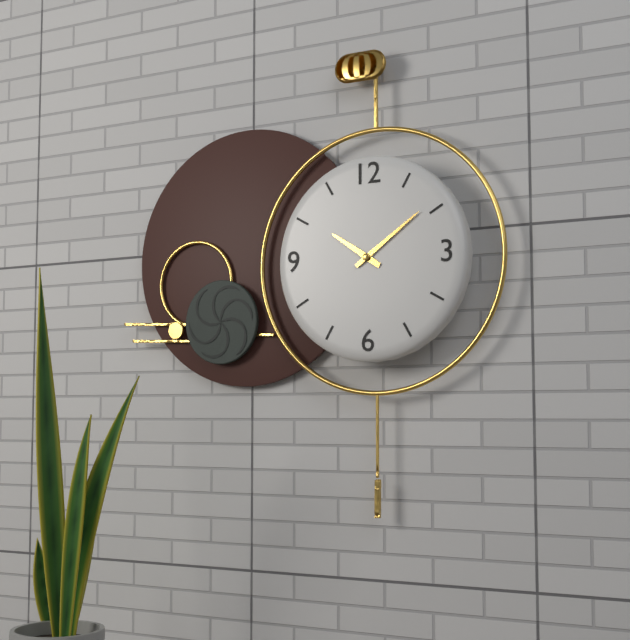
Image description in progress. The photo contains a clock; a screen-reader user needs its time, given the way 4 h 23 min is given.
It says 10 h 09 min
